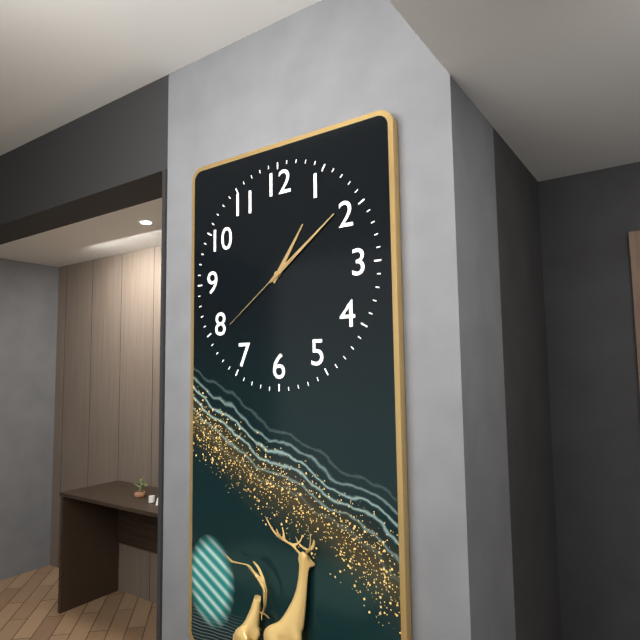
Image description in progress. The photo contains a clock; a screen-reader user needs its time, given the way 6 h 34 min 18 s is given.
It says 1 h 09 min 39 s
